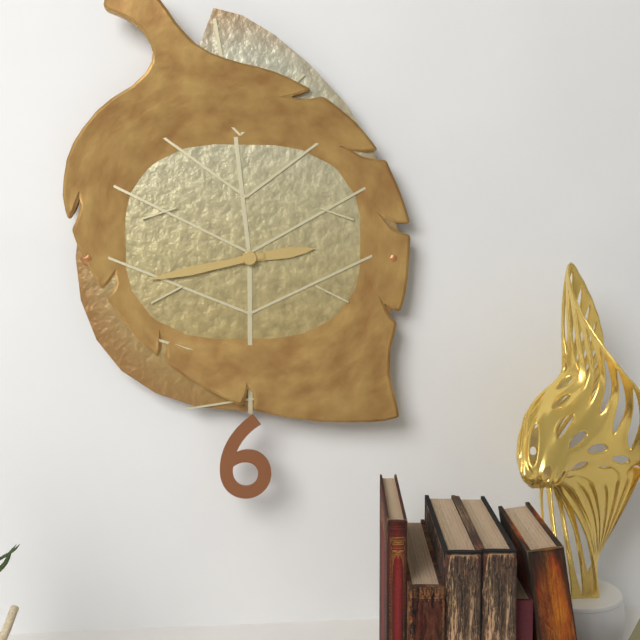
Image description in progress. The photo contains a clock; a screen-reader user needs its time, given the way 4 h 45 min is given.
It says 2 h 43 min
